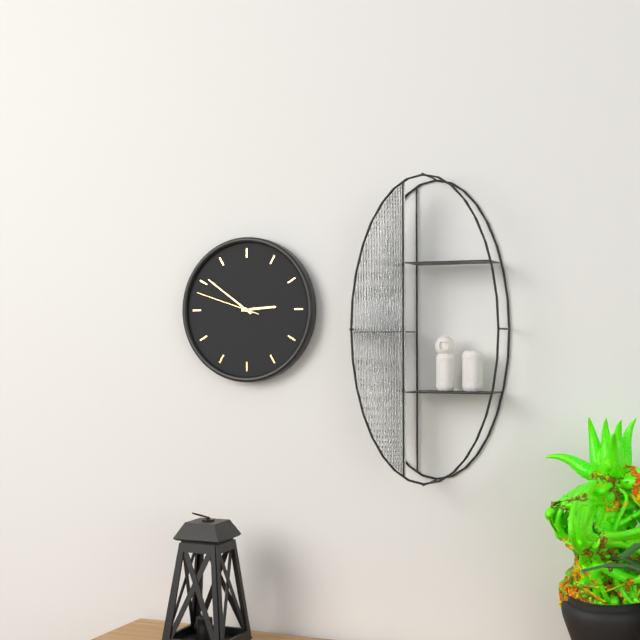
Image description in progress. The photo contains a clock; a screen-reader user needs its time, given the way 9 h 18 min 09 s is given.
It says 2 h 51 min 48 s
